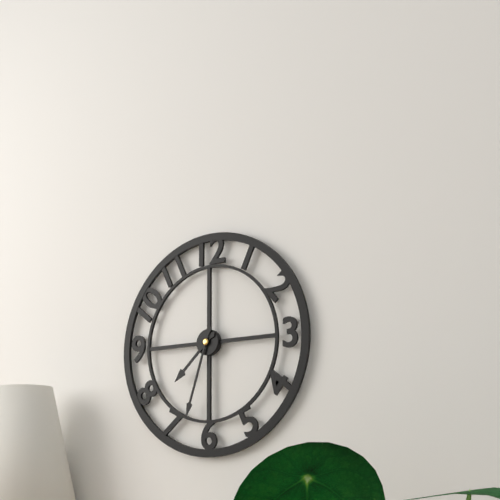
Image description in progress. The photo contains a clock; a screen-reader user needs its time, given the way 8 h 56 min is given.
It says 7 h 33 min
